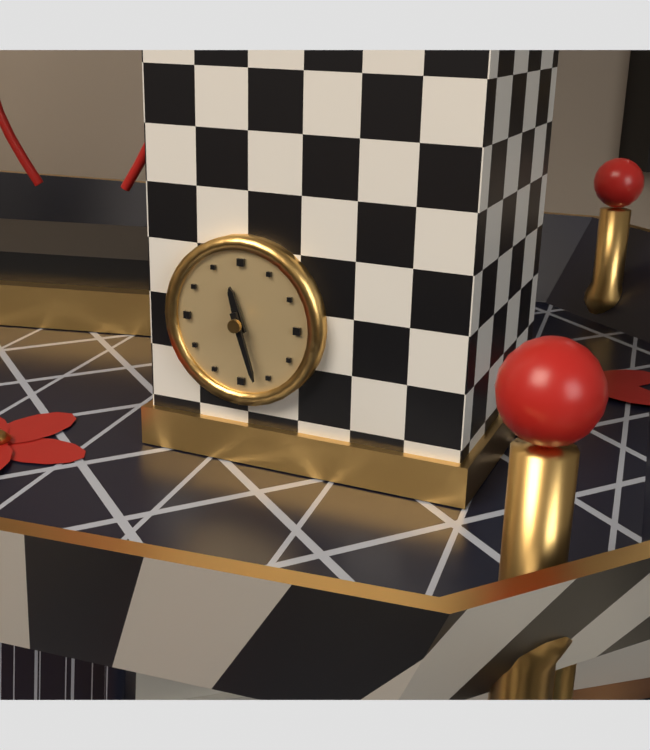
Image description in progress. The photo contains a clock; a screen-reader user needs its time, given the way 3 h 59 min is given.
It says 11 h 27 min
